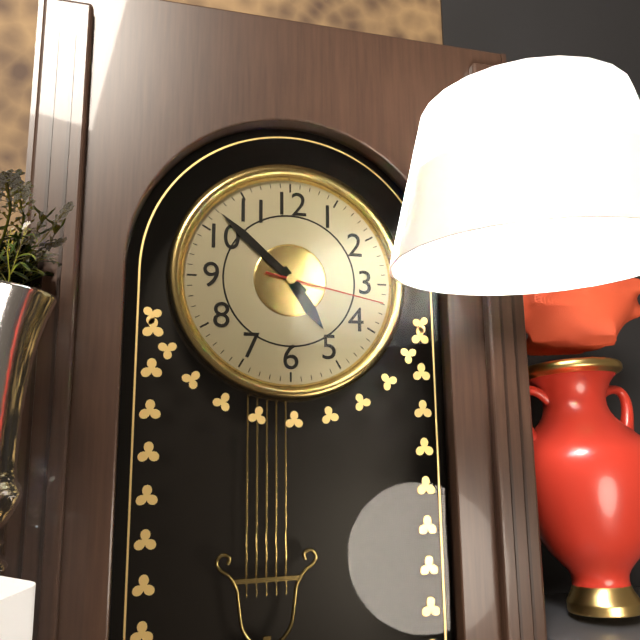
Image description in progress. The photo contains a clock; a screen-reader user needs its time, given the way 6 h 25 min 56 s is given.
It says 4 h 52 min 17 s
